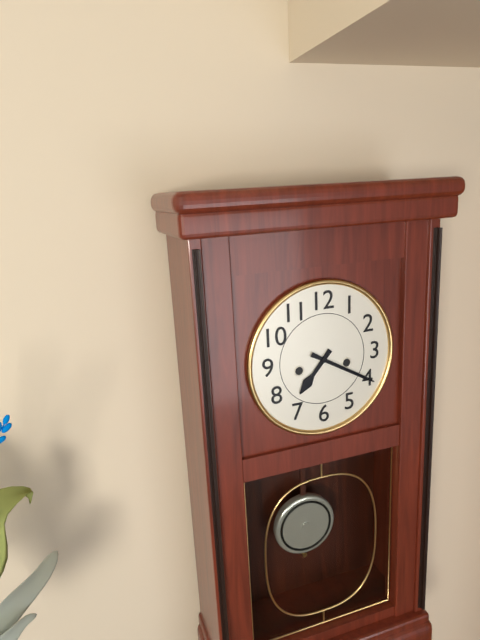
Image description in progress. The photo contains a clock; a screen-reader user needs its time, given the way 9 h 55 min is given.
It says 7 h 20 min
